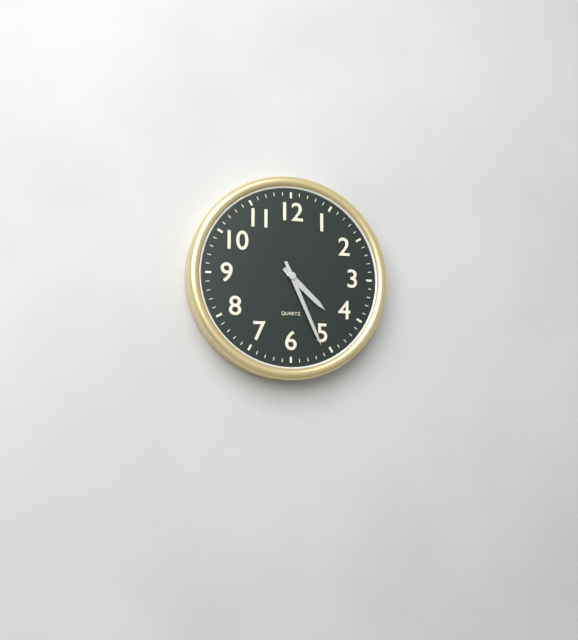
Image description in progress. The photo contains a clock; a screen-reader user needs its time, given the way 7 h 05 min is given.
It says 4 h 26 min
